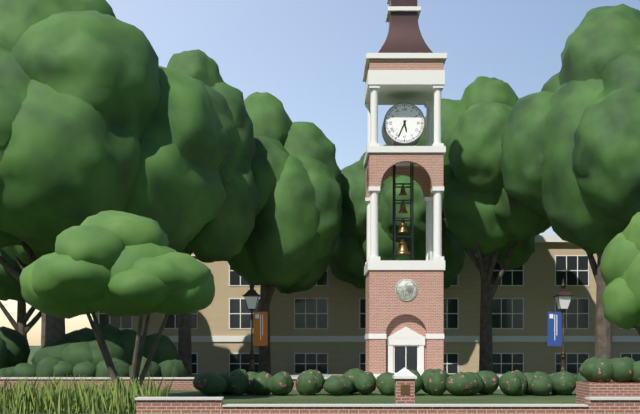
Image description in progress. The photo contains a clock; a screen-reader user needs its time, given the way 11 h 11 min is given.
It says 5 h 34 min
